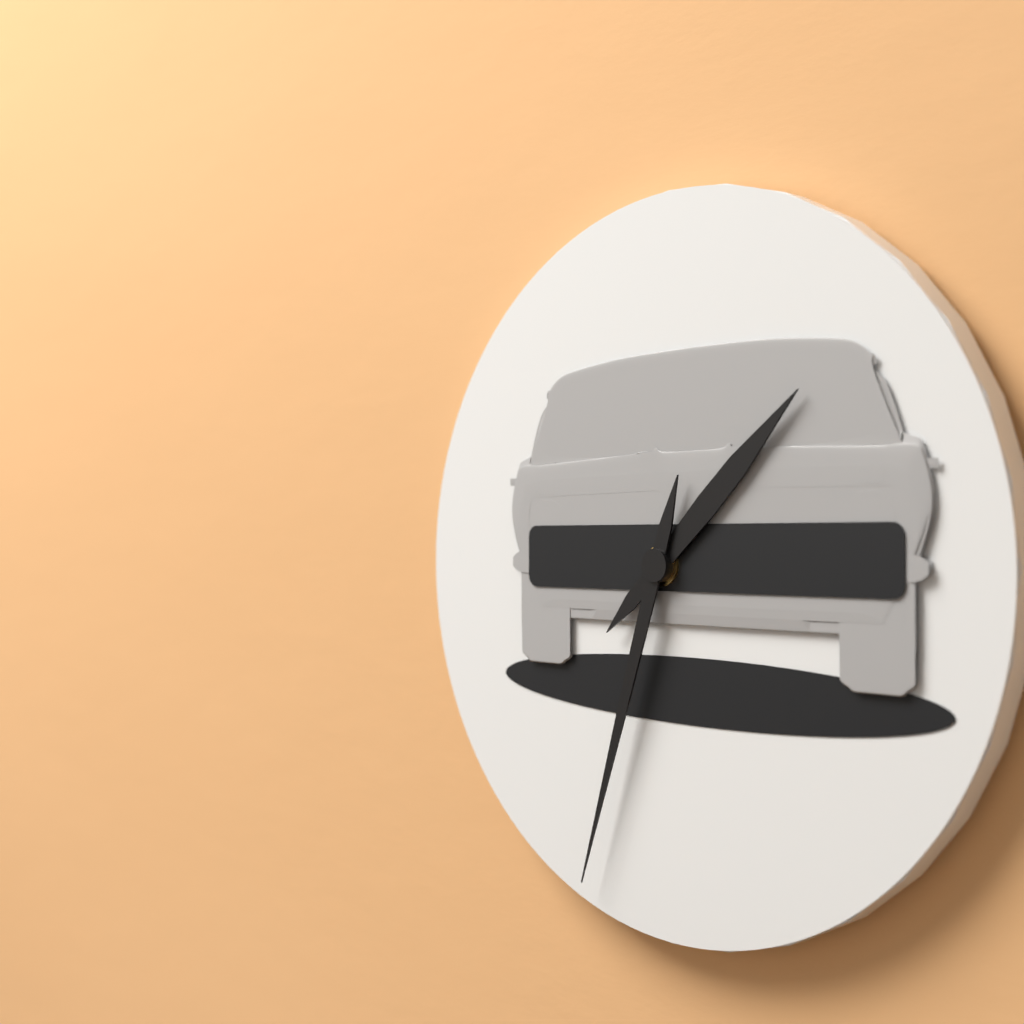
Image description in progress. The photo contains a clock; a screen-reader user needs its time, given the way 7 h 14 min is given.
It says 1 h 33 min
